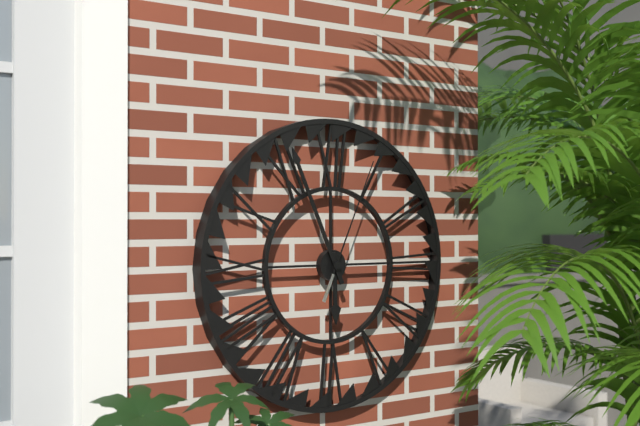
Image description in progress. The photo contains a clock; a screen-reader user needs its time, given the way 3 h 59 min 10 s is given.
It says 5 h 56 min 04 s
